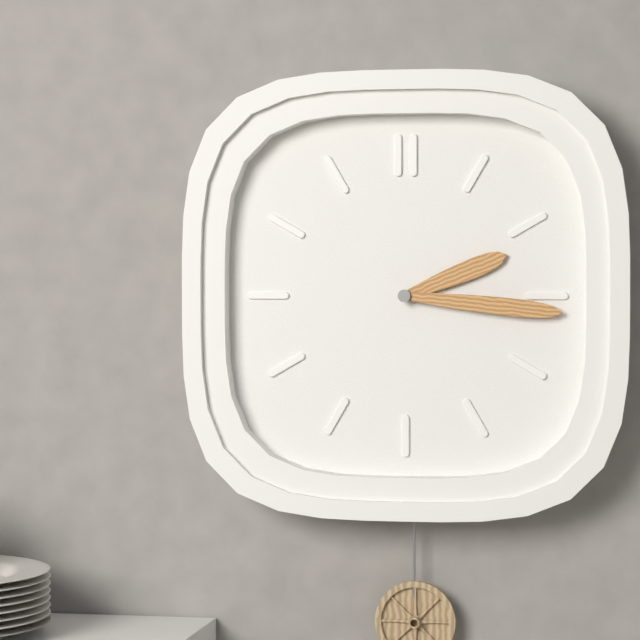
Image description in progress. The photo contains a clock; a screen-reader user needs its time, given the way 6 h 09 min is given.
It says 2 h 16 min
